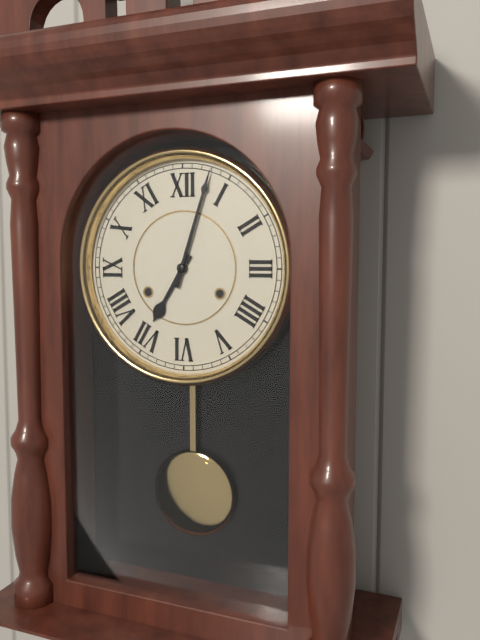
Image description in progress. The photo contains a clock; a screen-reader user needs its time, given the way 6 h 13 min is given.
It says 7 h 03 min
